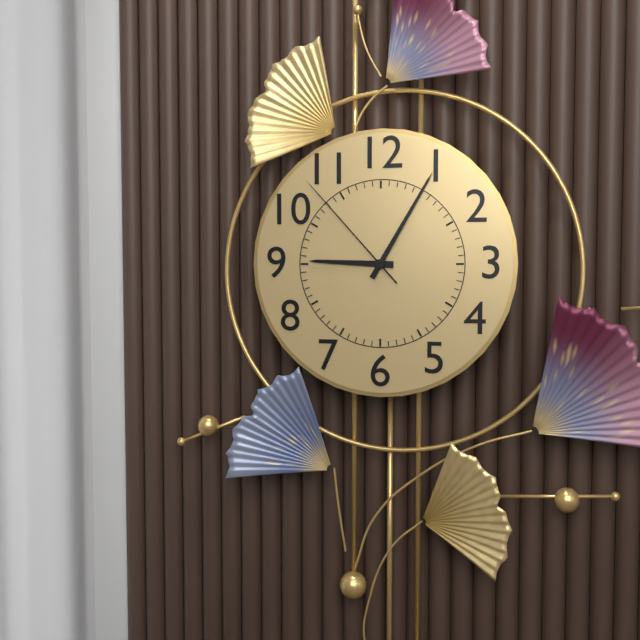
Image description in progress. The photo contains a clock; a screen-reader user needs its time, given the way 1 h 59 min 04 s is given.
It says 9 h 05 min 53 s
